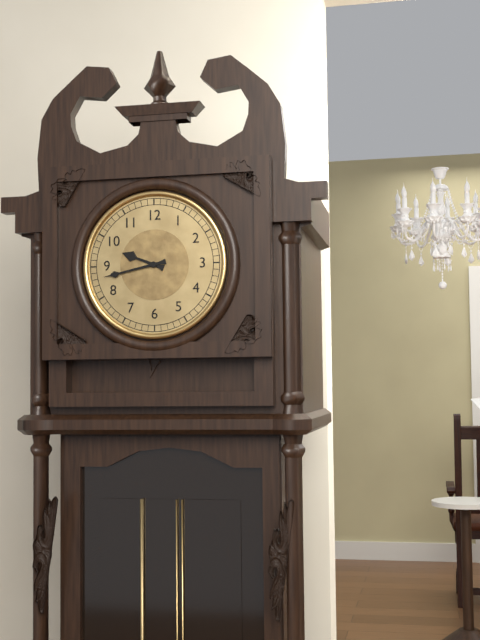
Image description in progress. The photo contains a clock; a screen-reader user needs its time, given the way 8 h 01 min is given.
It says 9 h 43 min
